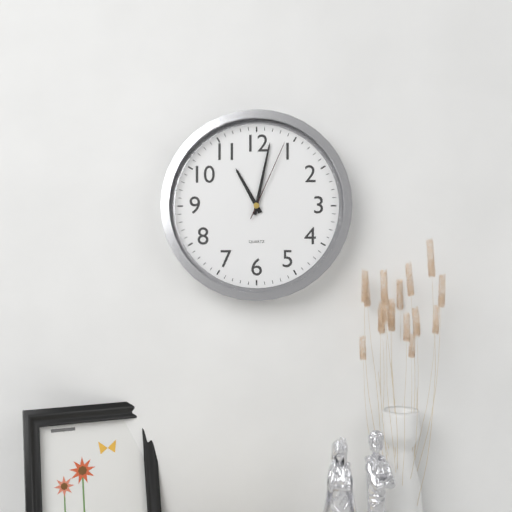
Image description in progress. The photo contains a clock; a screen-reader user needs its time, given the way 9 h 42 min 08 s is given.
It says 11 h 02 min 04 s
